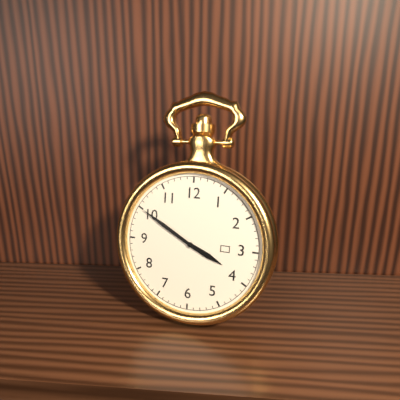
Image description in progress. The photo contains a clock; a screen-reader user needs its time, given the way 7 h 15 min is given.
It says 3 h 50 min
